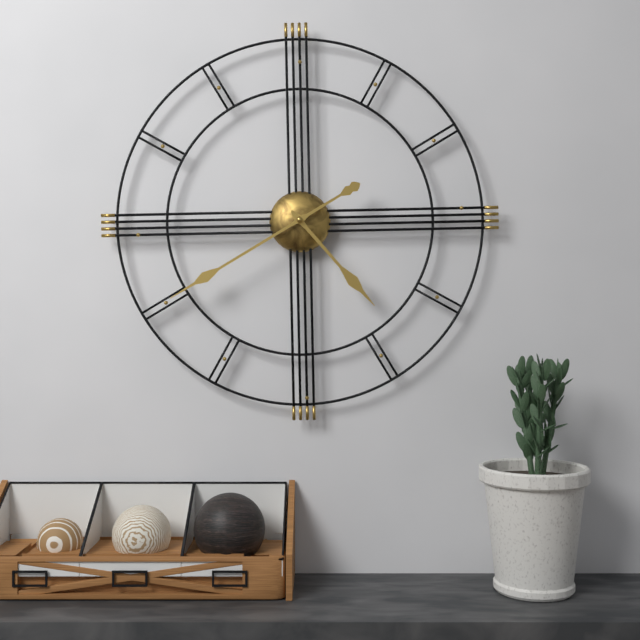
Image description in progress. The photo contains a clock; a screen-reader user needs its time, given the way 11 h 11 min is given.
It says 4 h 40 min
